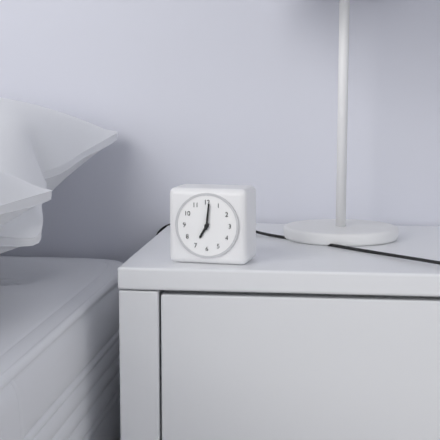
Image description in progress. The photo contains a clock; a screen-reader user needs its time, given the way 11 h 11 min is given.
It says 7 h 01 min
